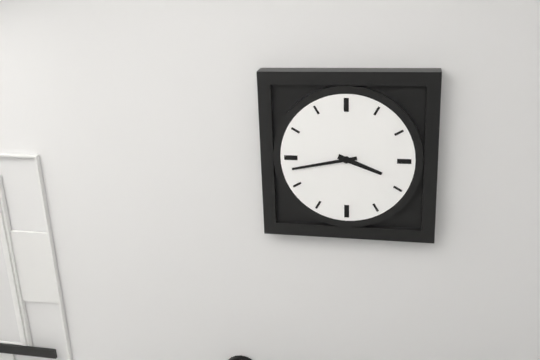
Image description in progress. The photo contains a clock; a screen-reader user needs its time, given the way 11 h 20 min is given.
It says 3 h 43 min
